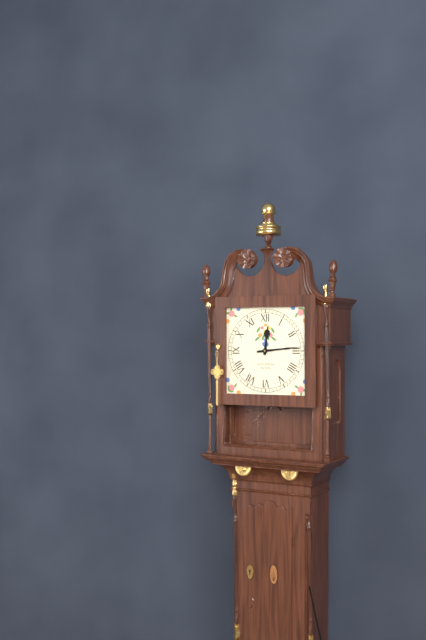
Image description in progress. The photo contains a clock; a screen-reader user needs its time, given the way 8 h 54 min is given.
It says 12 h 14 min
